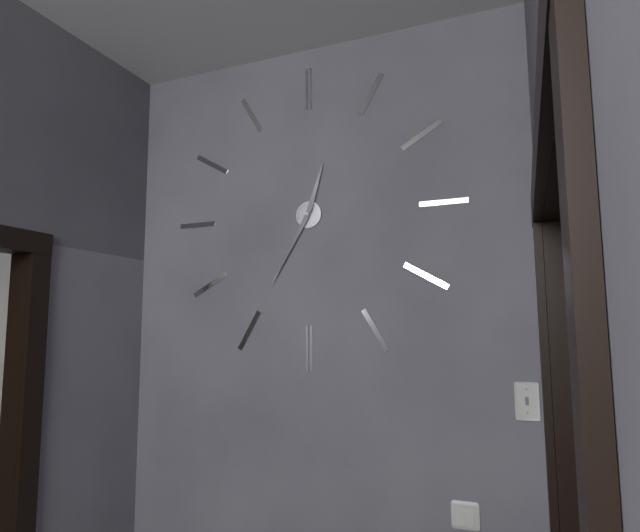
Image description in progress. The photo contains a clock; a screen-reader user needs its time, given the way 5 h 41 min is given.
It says 12 h 35 min
